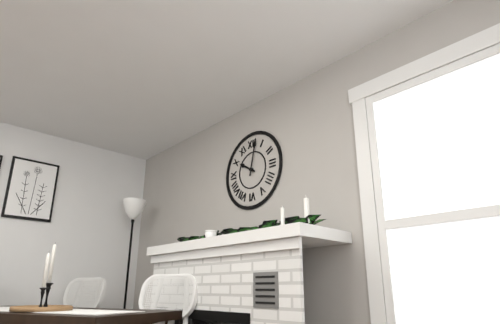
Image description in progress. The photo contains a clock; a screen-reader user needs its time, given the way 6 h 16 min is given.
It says 10 h 02 min
